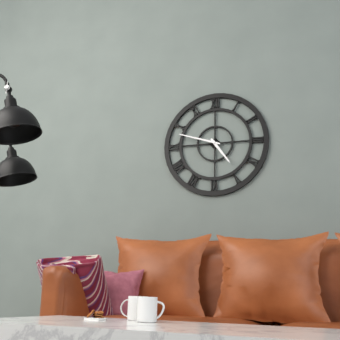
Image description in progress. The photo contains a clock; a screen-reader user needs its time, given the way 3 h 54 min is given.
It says 4 h 48 min
